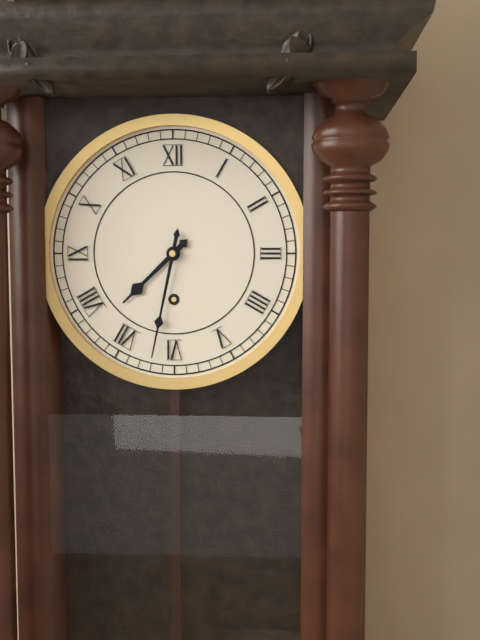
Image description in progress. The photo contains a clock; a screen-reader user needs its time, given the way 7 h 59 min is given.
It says 7 h 32 min
